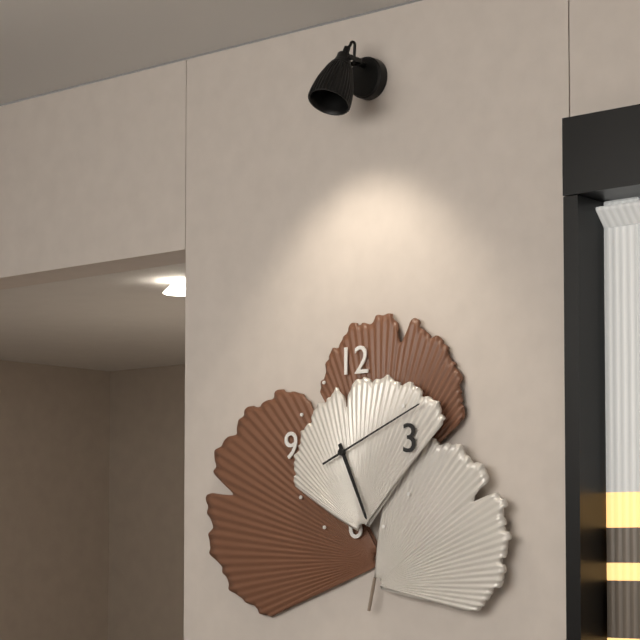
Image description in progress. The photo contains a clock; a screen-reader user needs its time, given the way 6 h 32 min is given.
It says 5 h 11 min
